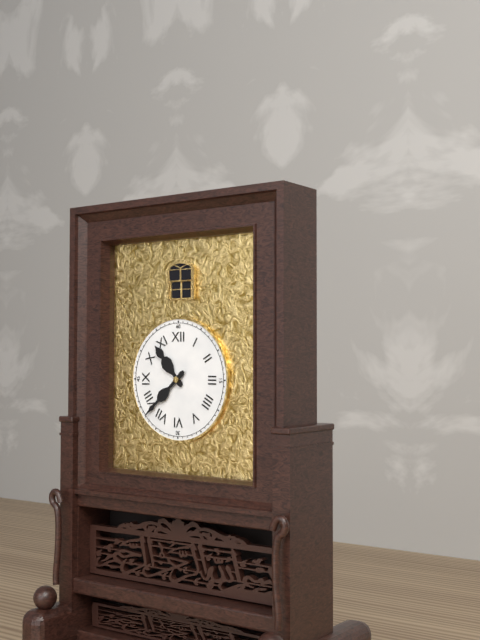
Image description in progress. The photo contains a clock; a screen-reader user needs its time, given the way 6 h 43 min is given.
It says 10 h 38 min
